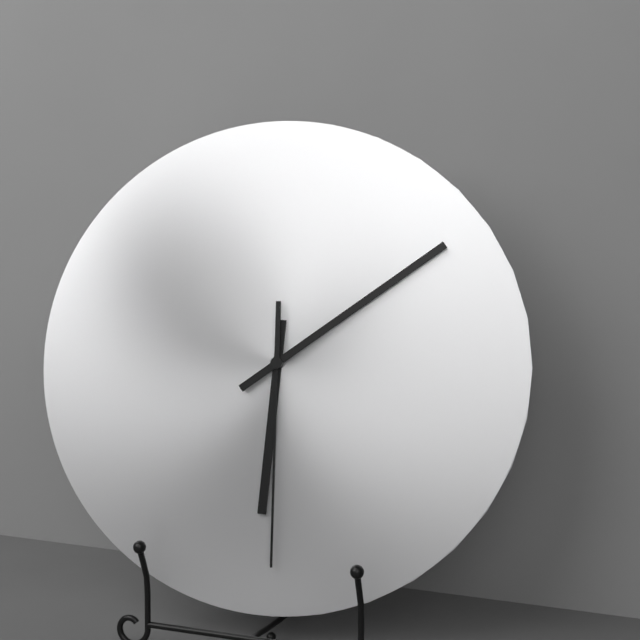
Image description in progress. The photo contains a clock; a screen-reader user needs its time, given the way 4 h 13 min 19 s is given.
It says 6 h 09 min 30 s
